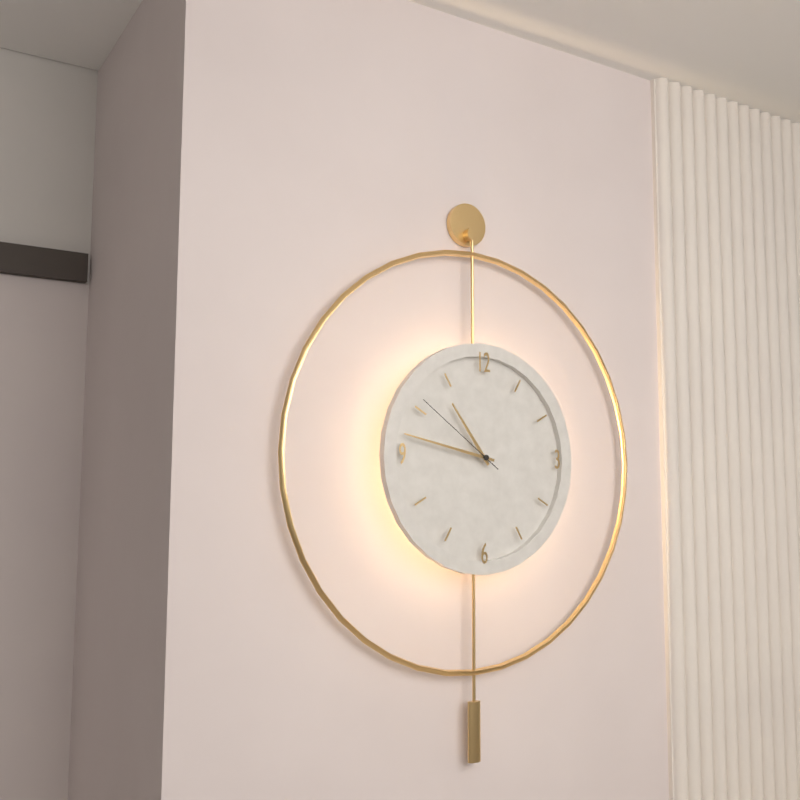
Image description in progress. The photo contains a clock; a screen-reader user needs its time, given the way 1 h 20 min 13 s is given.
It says 10 h 47 min 51 s
